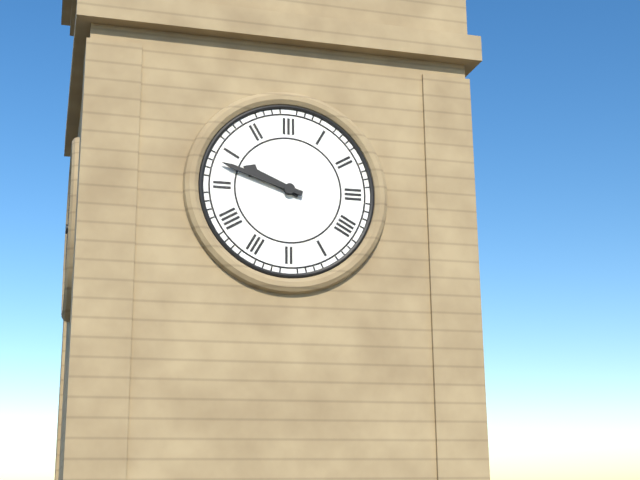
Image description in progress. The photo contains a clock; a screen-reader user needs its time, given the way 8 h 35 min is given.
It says 9 h 48 min
